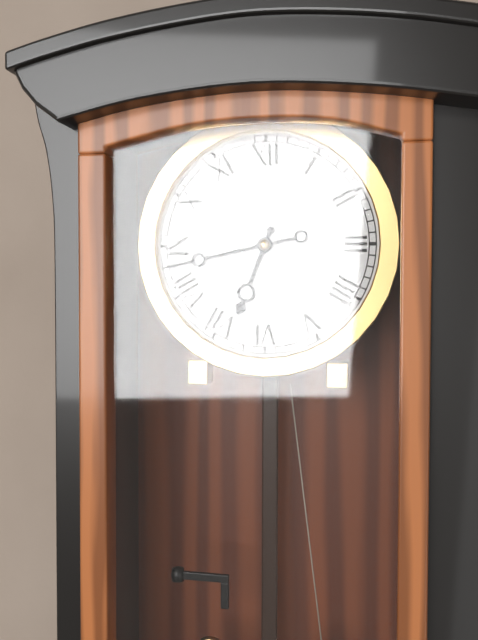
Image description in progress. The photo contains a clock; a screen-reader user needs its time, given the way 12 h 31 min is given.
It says 6 h 43 min
